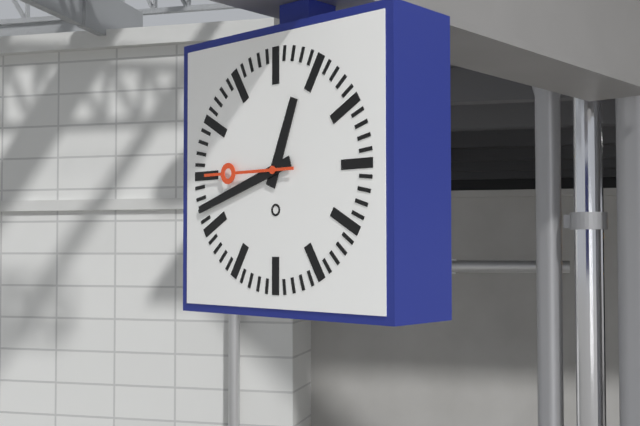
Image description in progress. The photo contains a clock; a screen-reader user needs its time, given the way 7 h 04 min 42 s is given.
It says 12 h 42 min 45 s
